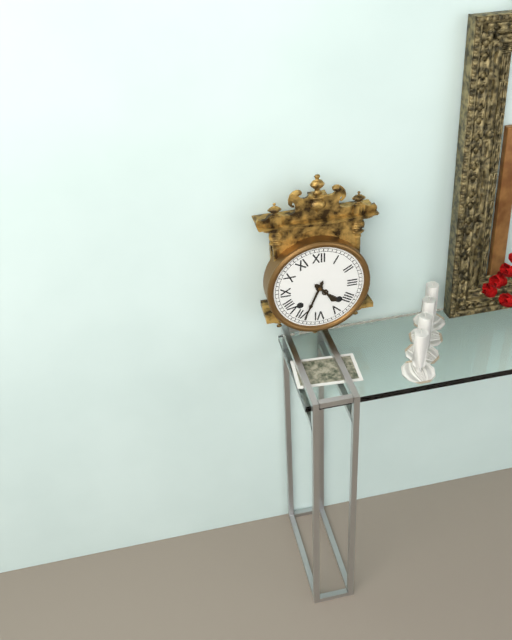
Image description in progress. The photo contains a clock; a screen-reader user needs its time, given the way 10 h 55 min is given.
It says 4 h 34 min
